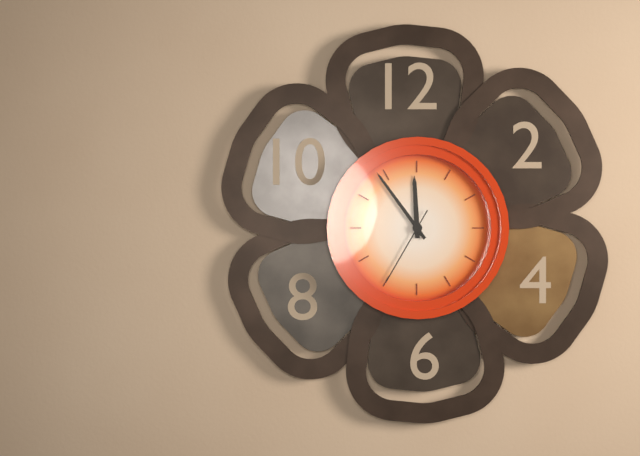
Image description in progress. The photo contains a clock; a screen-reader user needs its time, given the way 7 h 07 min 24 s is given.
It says 11 h 54 min 35 s
